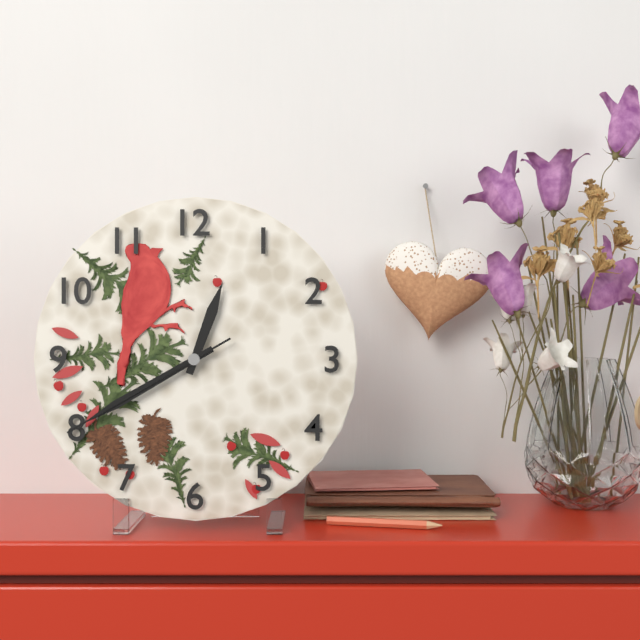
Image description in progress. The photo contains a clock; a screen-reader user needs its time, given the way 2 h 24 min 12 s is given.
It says 12 h 40 min 40 s
